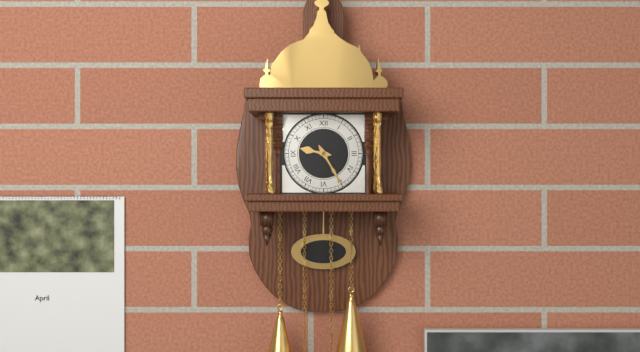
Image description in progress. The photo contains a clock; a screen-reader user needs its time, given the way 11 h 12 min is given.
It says 9 h 25 min
